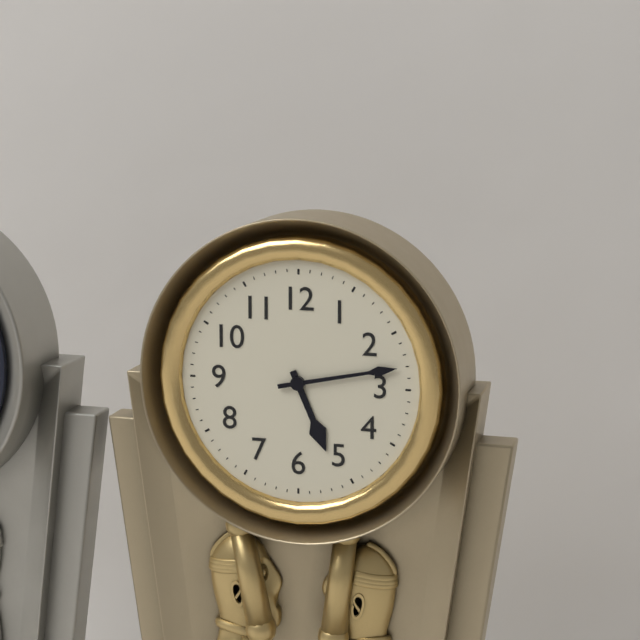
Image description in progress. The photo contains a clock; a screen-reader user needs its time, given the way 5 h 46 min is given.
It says 5 h 13 min
